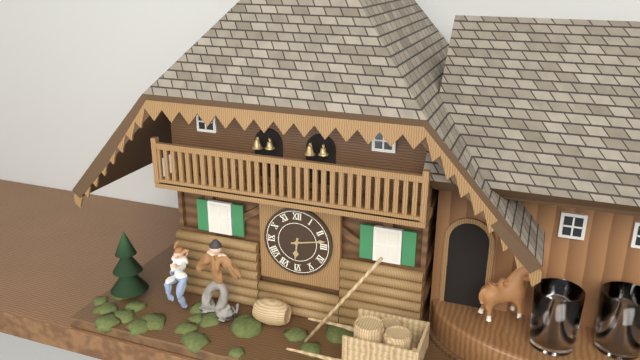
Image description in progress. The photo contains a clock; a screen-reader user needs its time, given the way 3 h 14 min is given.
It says 6 h 13 min
